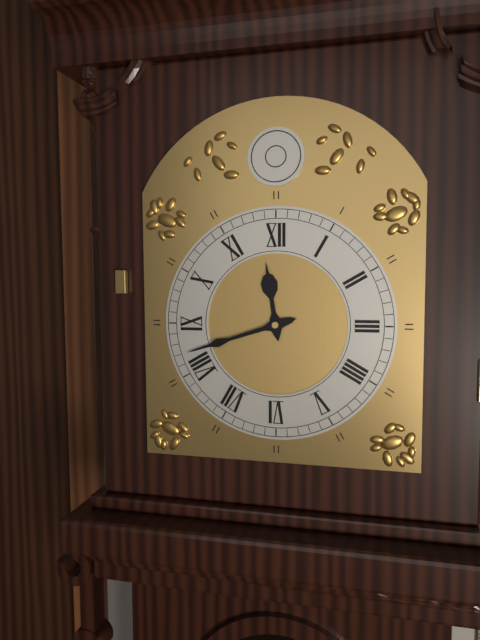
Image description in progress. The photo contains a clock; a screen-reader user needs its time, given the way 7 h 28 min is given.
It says 11 h 42 min
